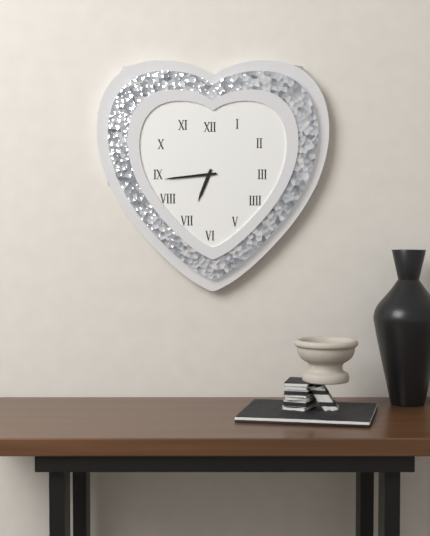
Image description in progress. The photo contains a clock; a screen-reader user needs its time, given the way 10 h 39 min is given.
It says 6 h 44 min
